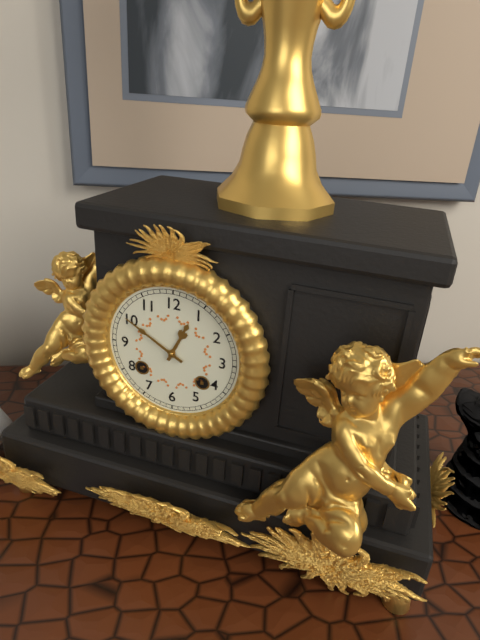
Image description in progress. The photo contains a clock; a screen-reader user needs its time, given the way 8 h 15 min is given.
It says 12 h 50 min
